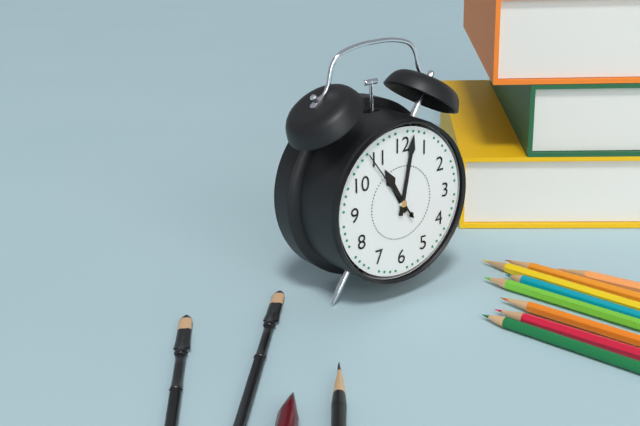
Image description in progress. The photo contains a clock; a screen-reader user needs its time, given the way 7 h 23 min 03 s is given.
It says 11 h 02 min 54 s
